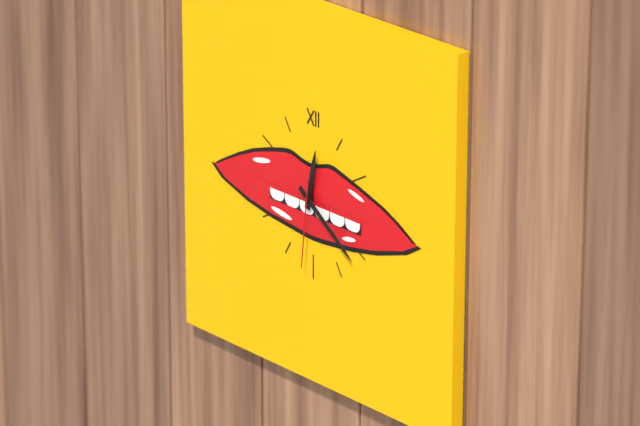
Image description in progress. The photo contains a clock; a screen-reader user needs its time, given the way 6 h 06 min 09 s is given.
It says 12 h 21 min 31 s
